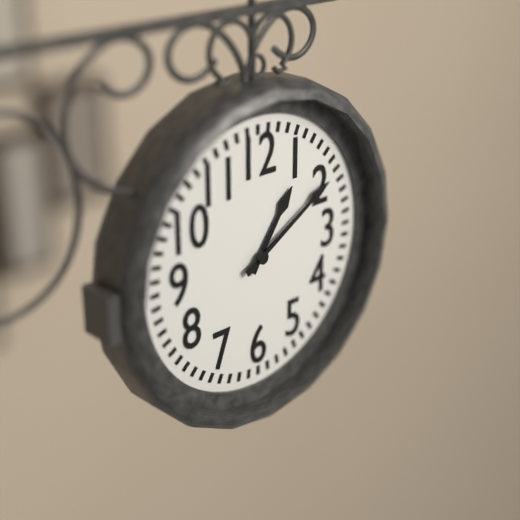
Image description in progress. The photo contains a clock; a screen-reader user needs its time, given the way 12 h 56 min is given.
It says 1 h 10 min
